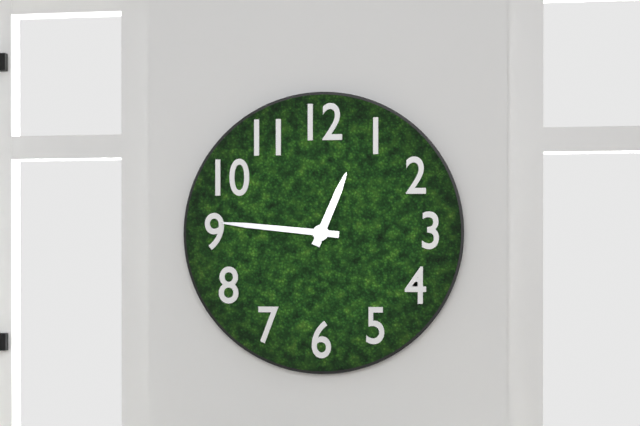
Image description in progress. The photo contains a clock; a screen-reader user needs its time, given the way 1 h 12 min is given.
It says 12 h 46 min
